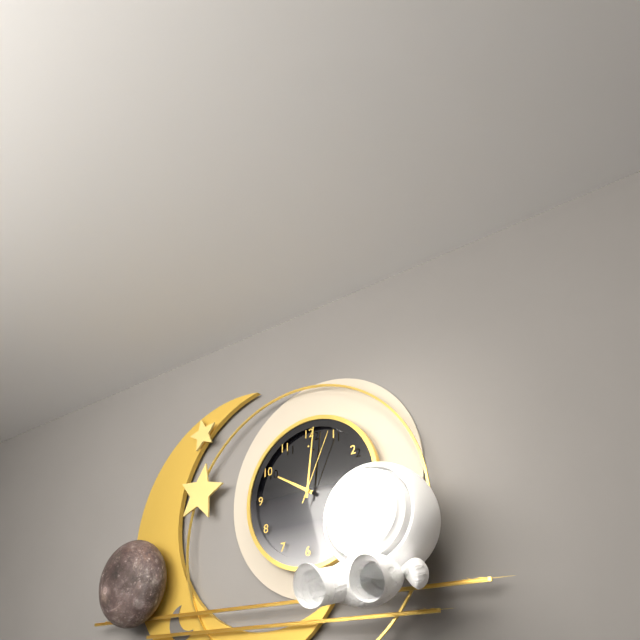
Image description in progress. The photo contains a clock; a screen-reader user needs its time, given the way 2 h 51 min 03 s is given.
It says 10 h 01 min 04 s
